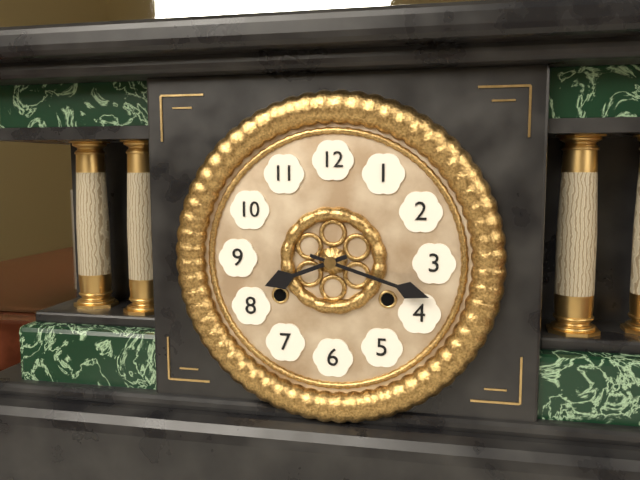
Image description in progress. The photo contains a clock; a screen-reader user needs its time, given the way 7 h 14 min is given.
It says 8 h 18 min
